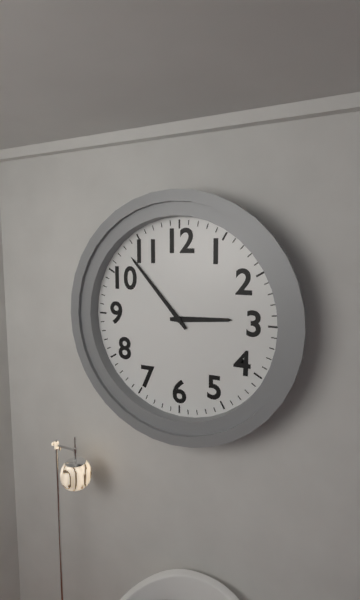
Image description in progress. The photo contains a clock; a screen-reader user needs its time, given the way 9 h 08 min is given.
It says 2 h 53 min
